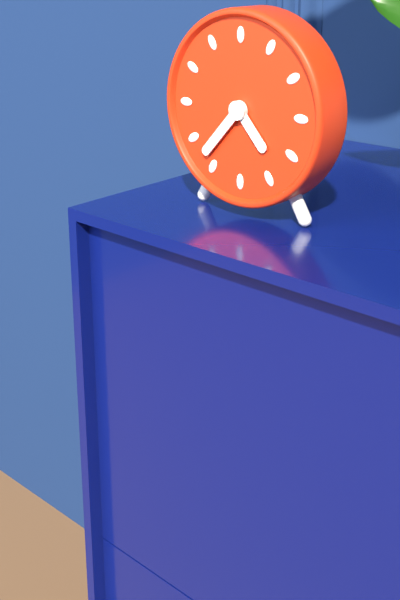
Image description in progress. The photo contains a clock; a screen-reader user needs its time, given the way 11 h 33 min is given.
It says 4 h 37 min
